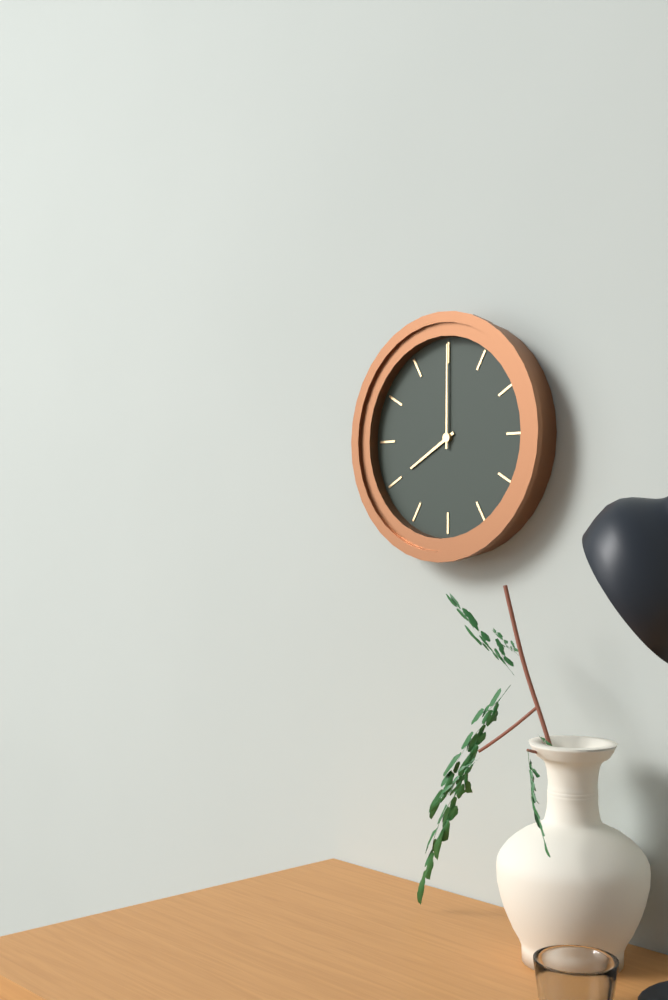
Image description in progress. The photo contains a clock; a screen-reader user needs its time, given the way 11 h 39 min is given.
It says 8 h 00 min
